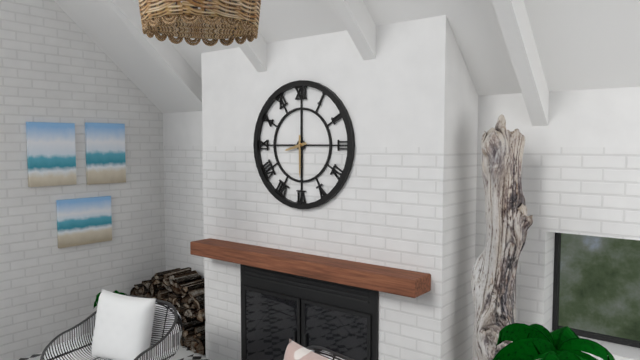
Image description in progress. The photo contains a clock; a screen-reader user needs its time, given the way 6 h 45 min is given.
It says 8 h 30 min
